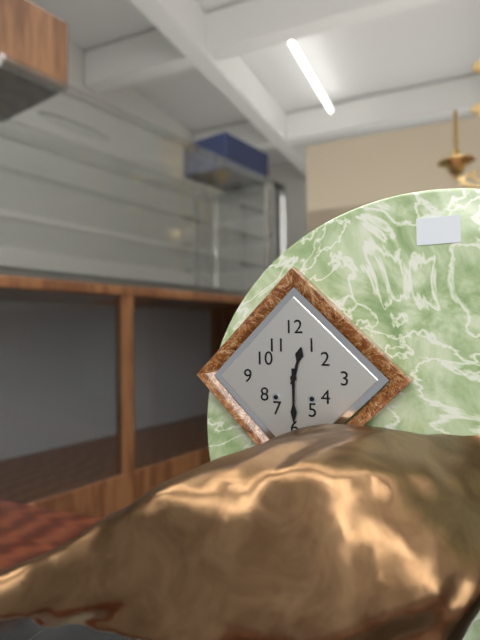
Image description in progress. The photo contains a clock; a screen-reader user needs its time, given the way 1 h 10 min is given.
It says 12 h 30 min
